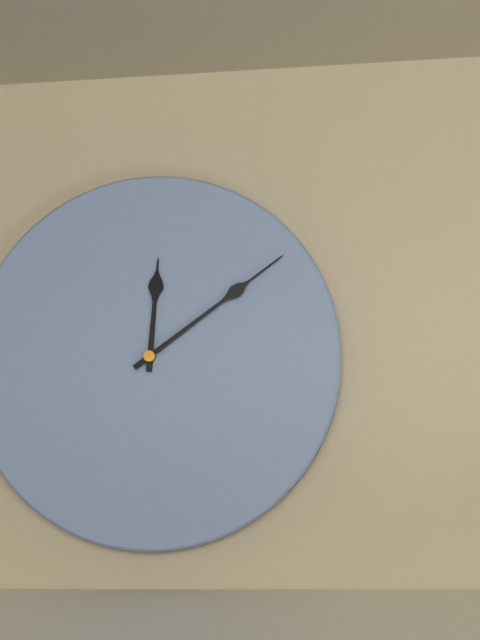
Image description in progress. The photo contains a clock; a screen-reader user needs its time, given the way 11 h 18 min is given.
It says 12 h 09 min
